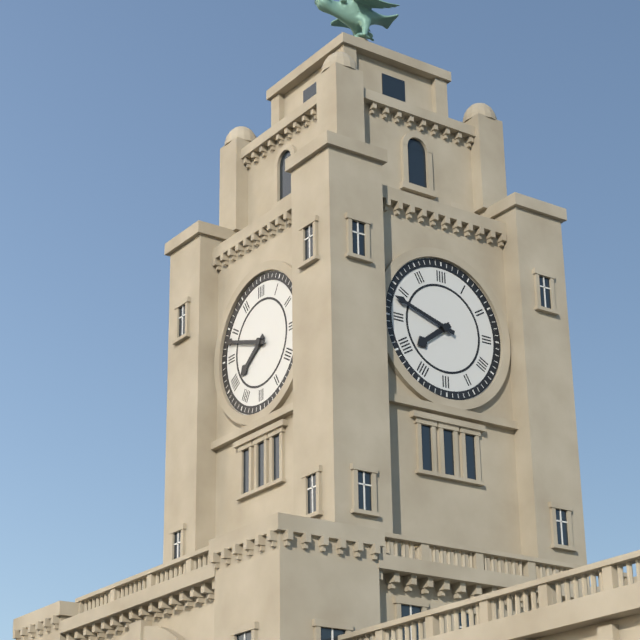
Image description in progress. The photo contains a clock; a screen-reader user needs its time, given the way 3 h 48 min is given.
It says 7 h 48 min
